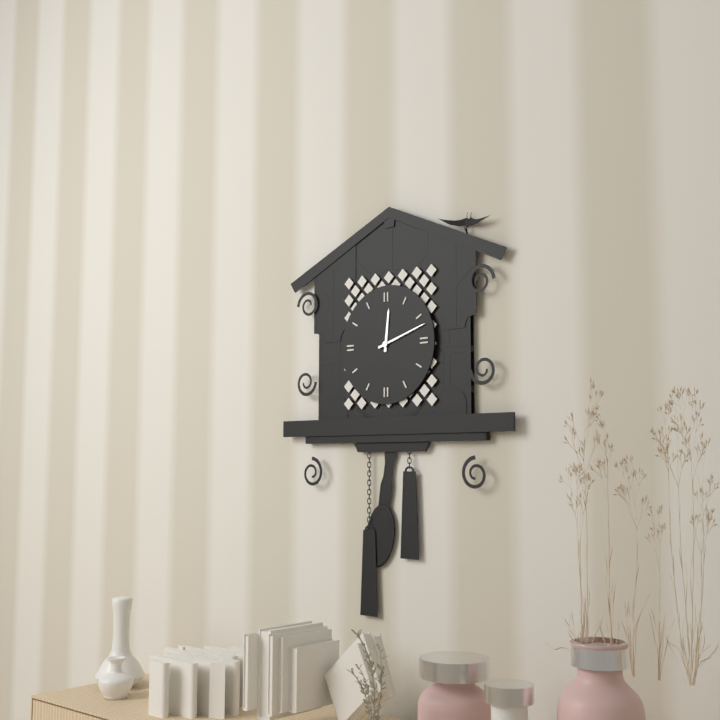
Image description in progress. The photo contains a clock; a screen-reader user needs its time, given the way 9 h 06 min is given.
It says 12 h 12 min
